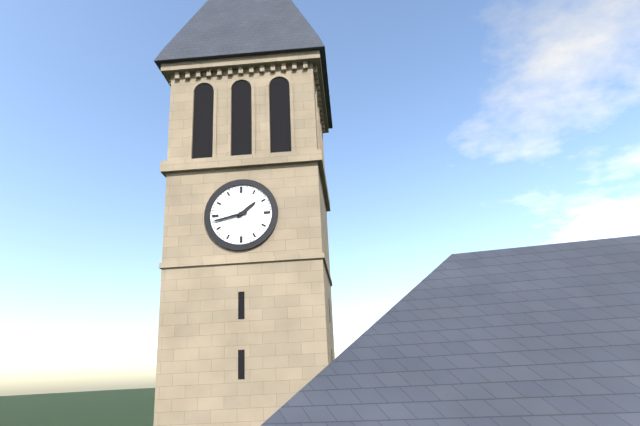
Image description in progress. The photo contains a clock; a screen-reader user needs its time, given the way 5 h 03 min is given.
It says 1 h 43 min
